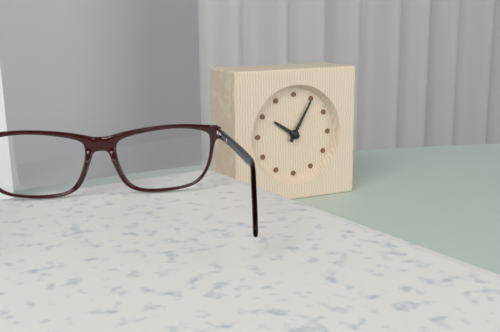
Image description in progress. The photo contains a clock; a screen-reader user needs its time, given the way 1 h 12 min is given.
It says 10 h 05 min
